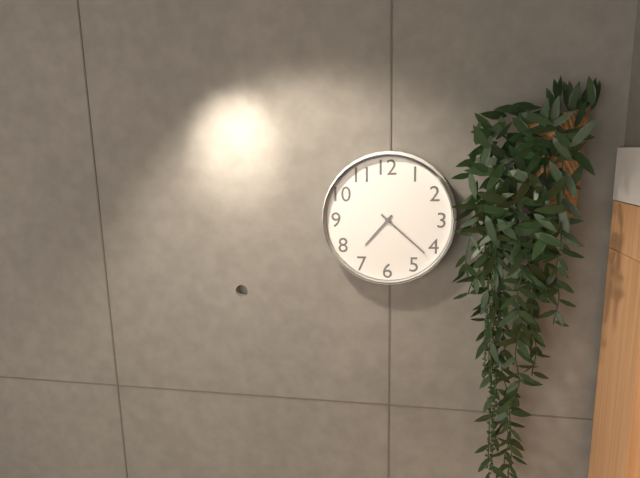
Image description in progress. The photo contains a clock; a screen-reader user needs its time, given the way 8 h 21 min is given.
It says 7 h 22 min
